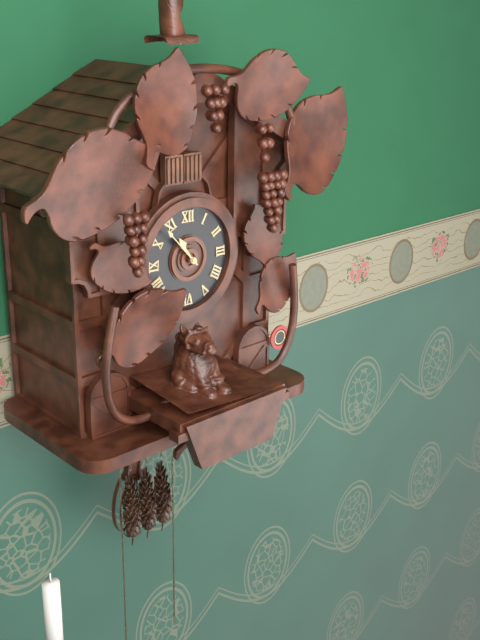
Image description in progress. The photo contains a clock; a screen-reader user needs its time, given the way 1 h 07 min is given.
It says 10 h 53 min
